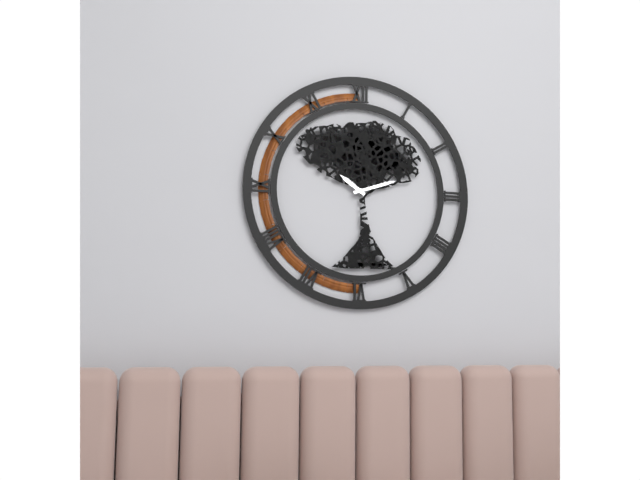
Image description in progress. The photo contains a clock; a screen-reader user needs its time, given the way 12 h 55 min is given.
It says 10 h 12 min
